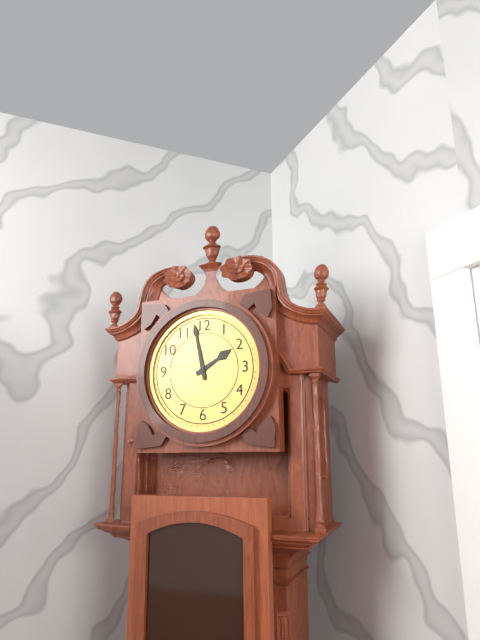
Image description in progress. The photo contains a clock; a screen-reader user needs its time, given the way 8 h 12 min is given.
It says 1 h 58 min
